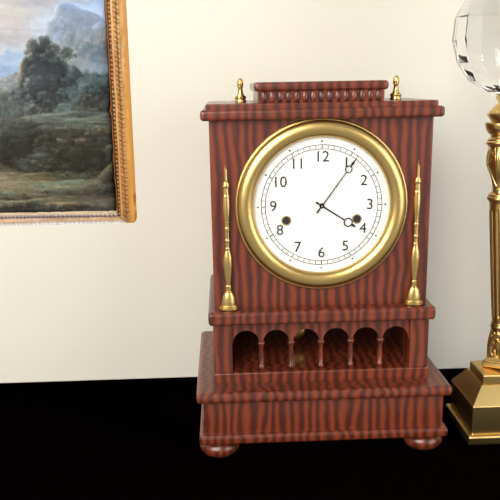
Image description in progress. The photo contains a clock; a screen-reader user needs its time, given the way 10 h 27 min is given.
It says 4 h 06 min
